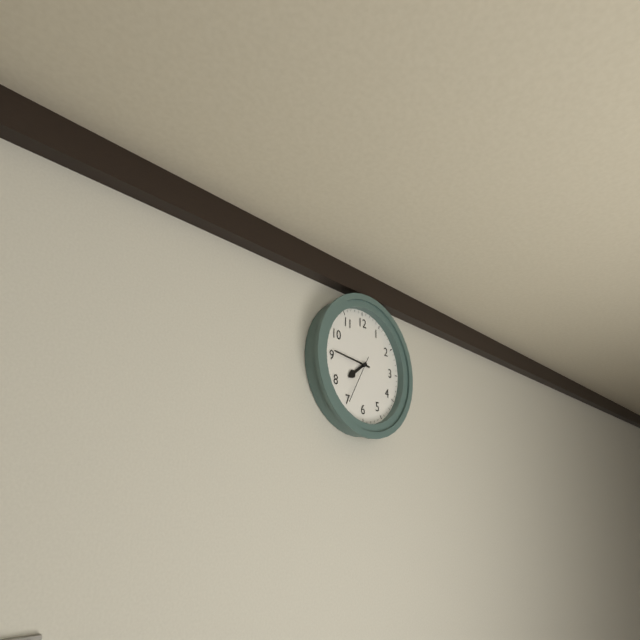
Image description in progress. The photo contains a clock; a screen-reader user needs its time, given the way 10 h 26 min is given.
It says 7 h 46 min
